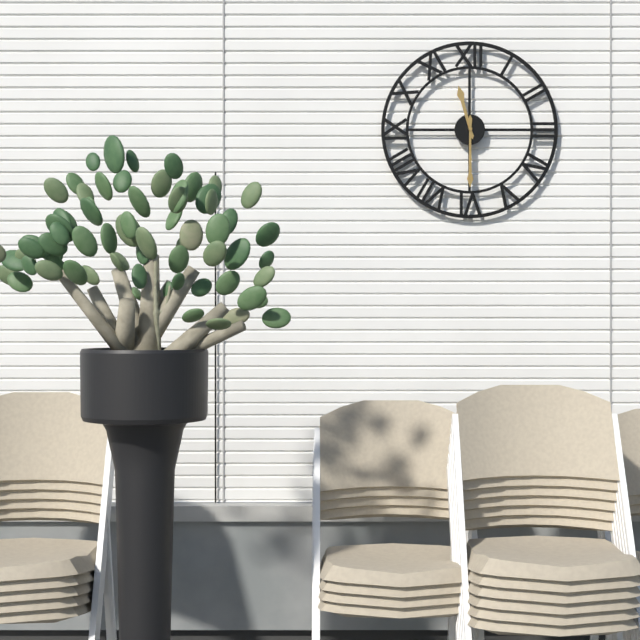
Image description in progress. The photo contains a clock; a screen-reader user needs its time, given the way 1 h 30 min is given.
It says 11 h 30 min
